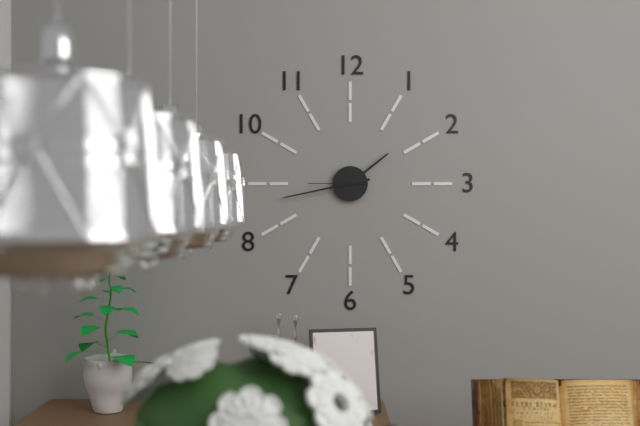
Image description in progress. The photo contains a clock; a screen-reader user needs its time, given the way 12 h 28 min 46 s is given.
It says 1 h 43 min 45 s
